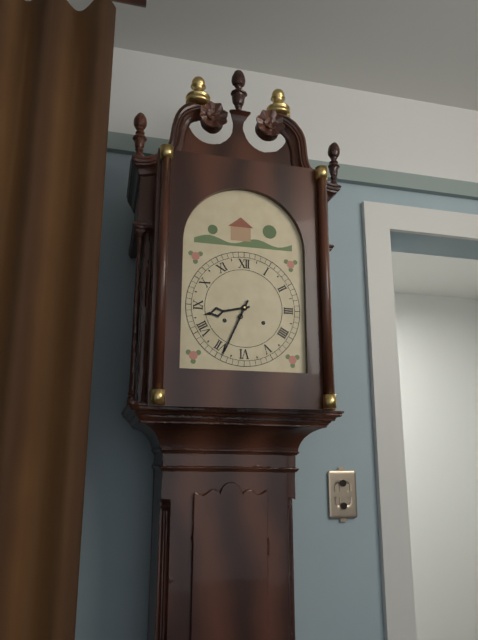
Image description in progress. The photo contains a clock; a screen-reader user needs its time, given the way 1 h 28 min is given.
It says 8 h 34 min
